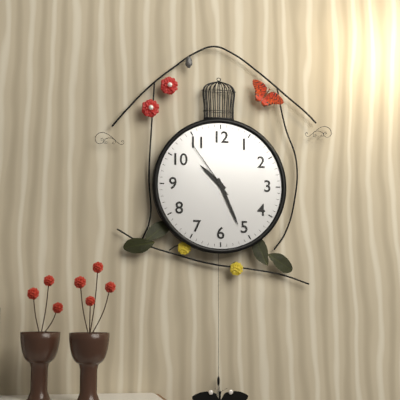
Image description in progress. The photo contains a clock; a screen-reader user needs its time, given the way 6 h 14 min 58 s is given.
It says 10 h 26 min 54 s
